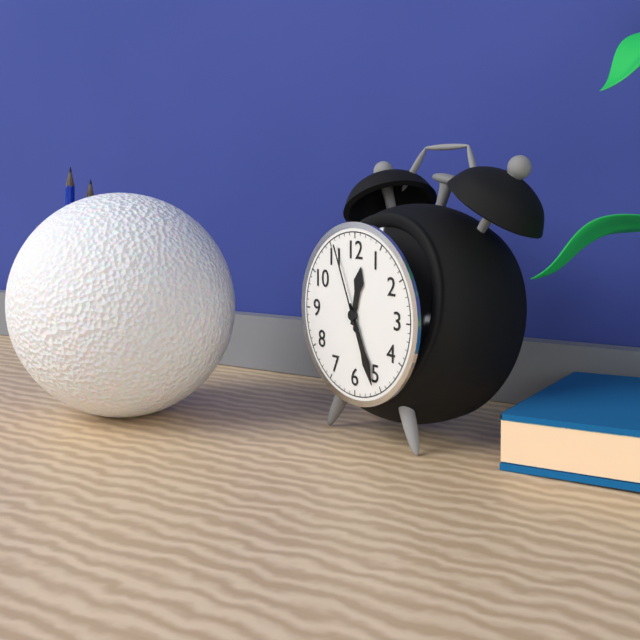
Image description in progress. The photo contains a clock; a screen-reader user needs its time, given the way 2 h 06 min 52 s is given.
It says 12 h 26 min 56 s
